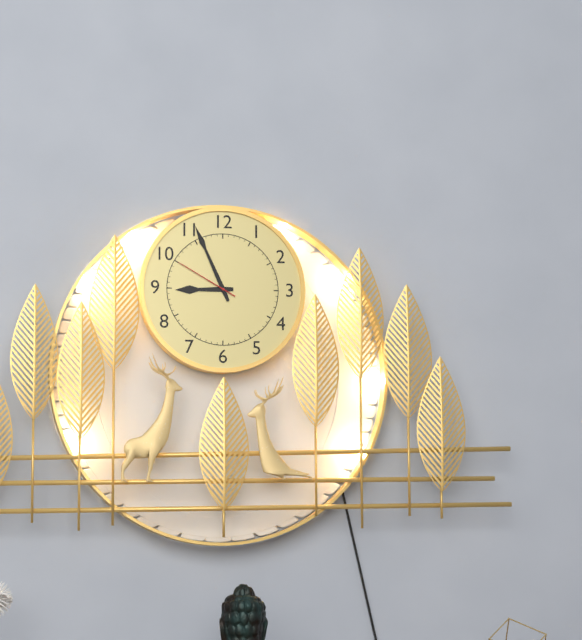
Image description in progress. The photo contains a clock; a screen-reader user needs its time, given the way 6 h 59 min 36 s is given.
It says 8 h 56 min 50 s
